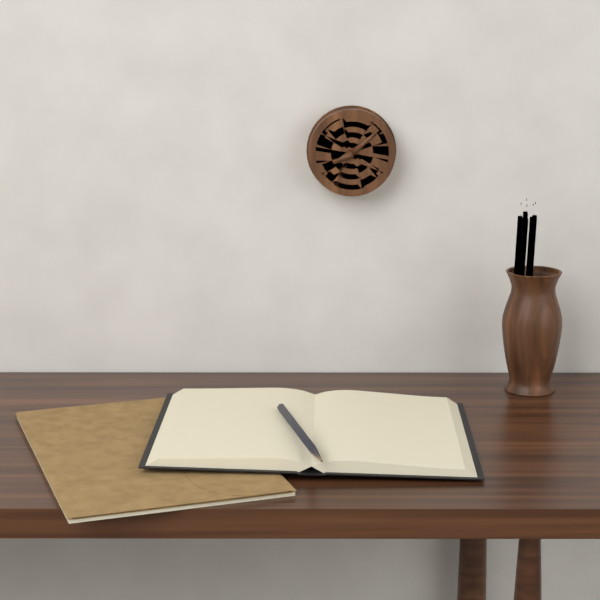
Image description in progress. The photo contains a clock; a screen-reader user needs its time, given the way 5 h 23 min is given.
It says 8 h 08 min
